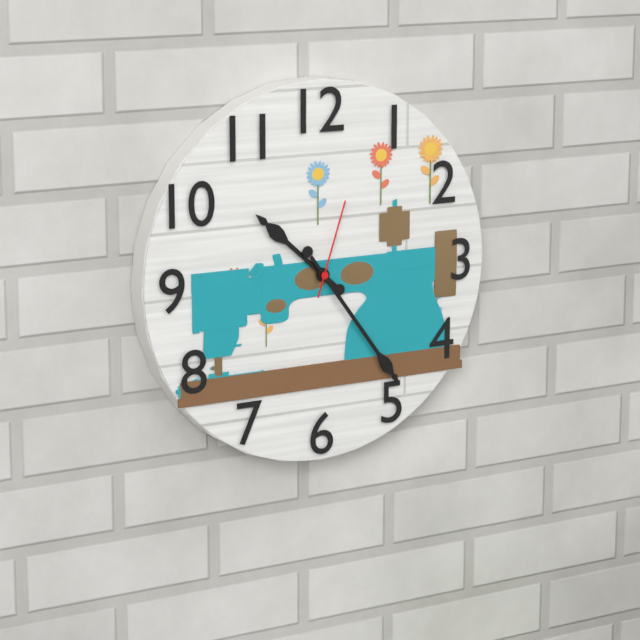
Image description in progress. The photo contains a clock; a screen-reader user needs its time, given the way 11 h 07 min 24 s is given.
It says 10 h 24 min 03 s
